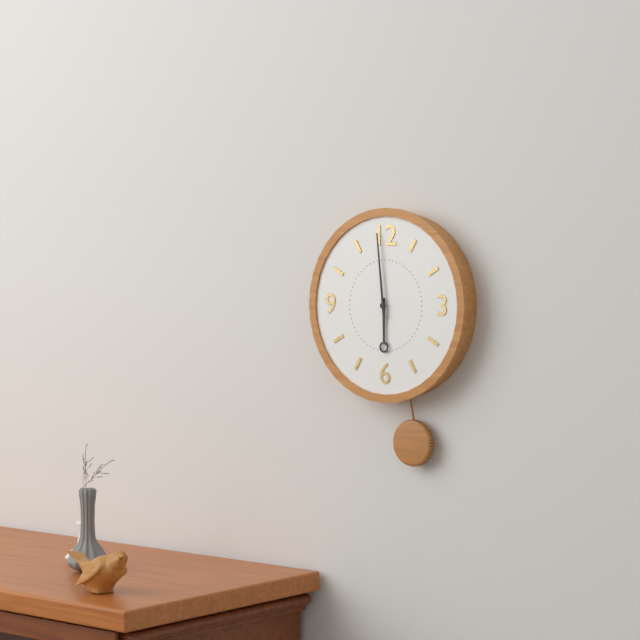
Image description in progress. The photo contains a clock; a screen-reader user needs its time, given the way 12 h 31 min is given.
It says 5 h 59 min
